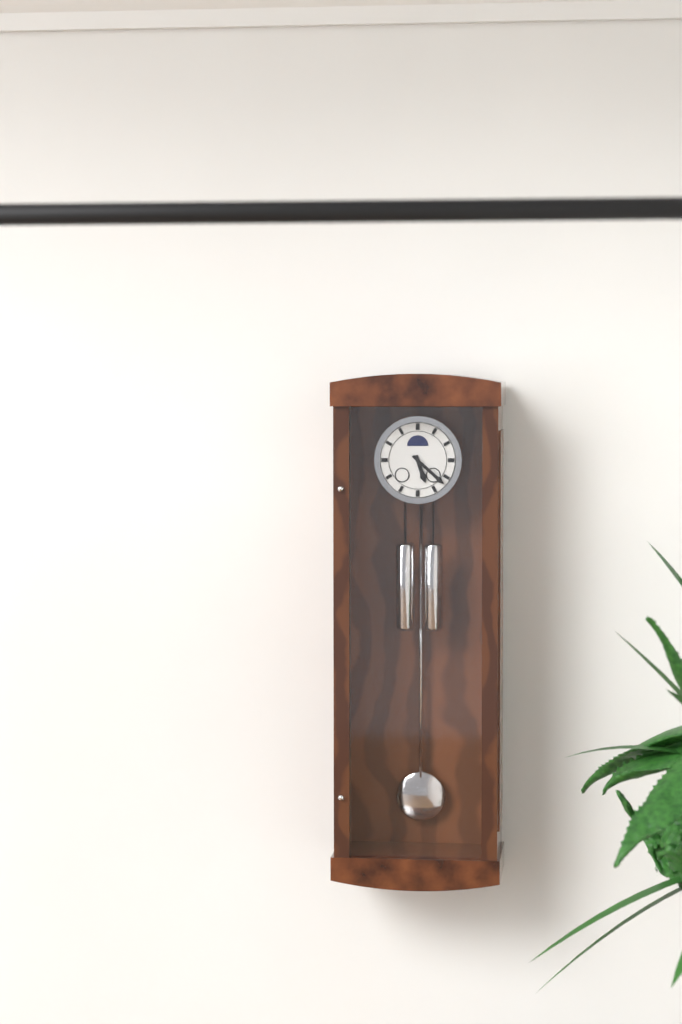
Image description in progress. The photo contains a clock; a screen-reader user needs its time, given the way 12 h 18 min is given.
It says 5 h 22 min
